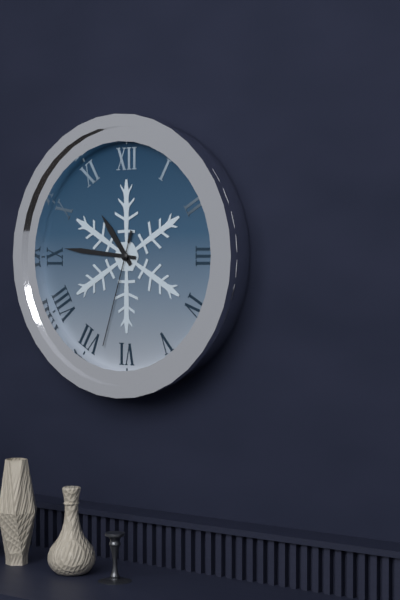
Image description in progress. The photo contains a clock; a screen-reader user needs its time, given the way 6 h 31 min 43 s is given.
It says 10 h 46 min 33 s
